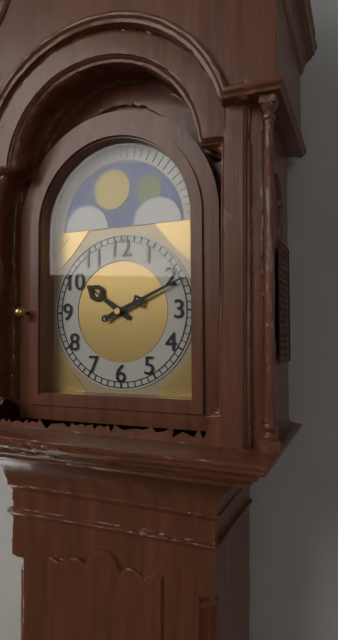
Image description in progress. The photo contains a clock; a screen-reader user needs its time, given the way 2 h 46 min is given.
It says 10 h 11 min
